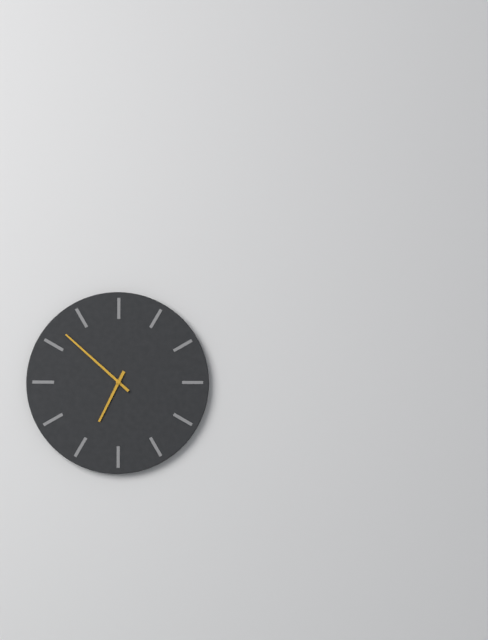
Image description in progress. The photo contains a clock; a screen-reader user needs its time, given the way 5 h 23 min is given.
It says 6 h 52 min
